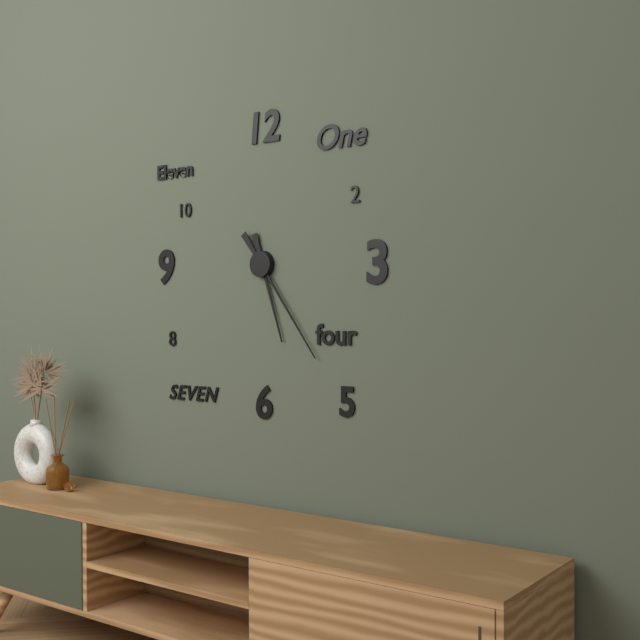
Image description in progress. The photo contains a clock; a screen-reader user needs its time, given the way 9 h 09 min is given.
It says 5 h 24 min
